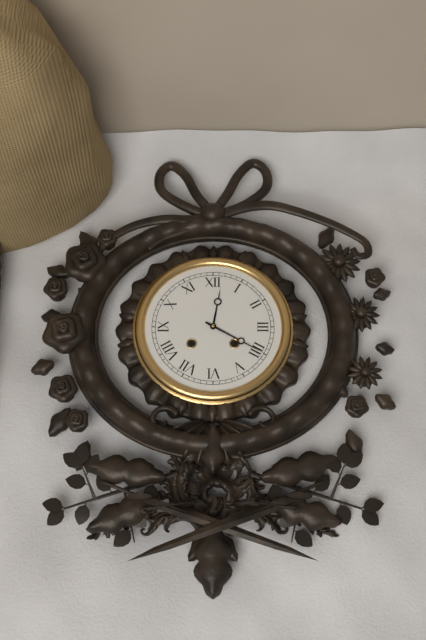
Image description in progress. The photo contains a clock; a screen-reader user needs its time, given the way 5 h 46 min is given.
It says 12 h 20 min
